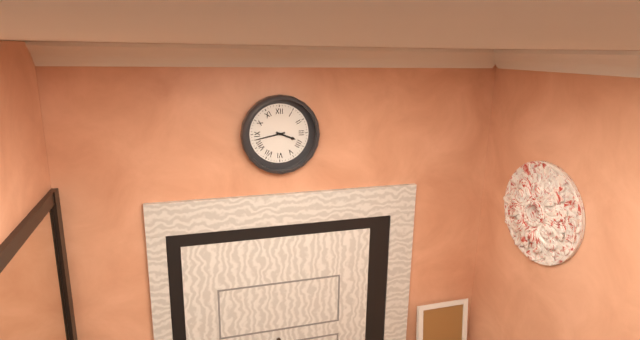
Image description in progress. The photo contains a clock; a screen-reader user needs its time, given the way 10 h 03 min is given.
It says 3 h 43 min
